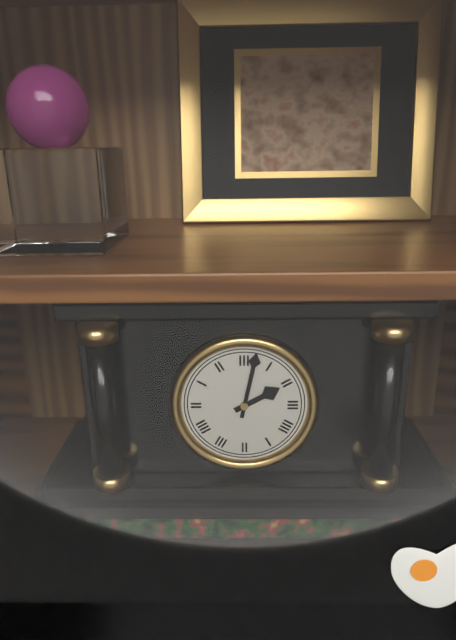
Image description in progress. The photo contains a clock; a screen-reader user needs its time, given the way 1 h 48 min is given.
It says 2 h 02 min
